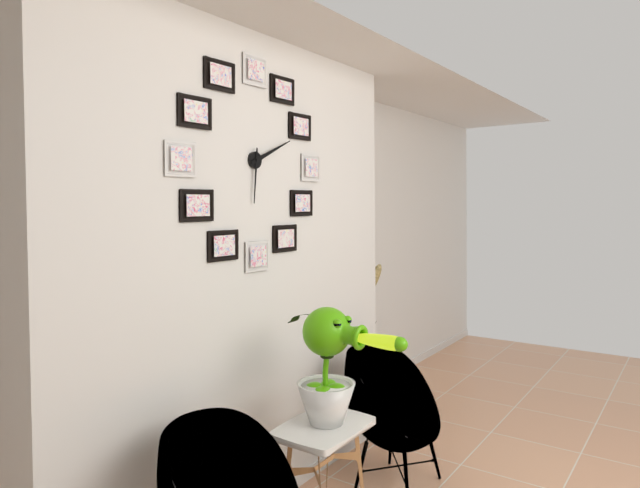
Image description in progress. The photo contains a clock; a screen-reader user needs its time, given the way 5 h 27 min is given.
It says 6 h 11 min
